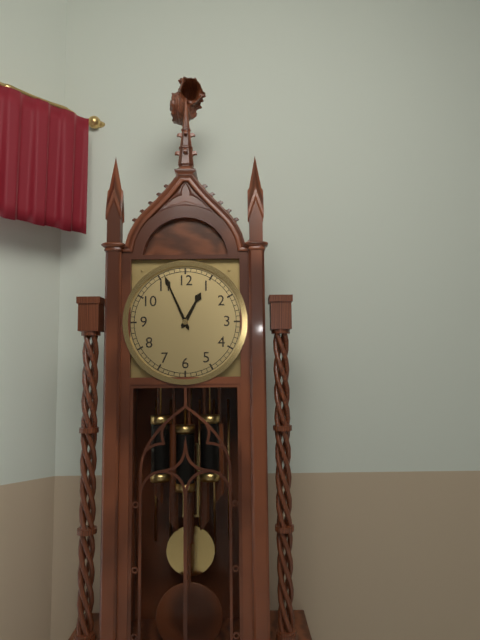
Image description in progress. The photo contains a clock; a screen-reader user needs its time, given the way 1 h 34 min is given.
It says 12 h 56 min
